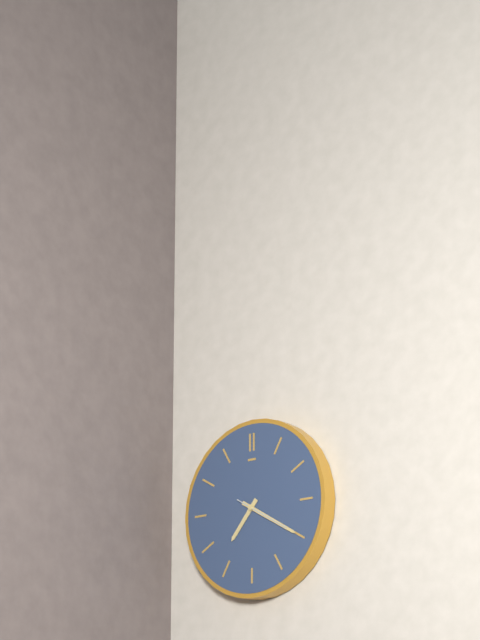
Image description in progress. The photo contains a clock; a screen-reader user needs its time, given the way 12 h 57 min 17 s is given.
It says 7 h 20 min 20 s
